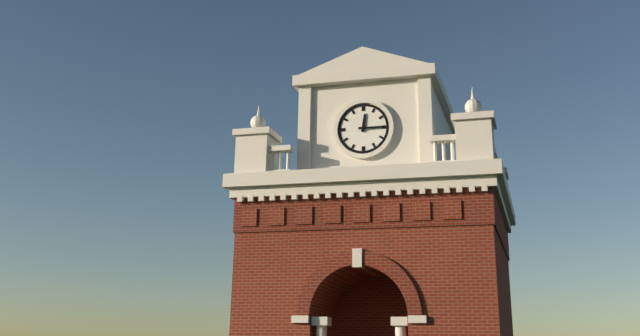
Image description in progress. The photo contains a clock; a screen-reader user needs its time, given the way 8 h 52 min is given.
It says 12 h 15 min
